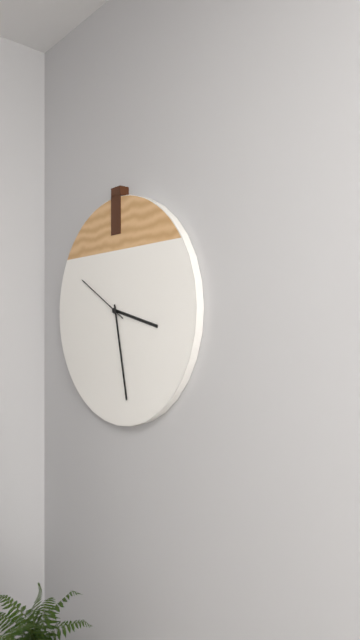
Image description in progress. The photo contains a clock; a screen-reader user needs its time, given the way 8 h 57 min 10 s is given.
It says 3 h 28 min 50 s
